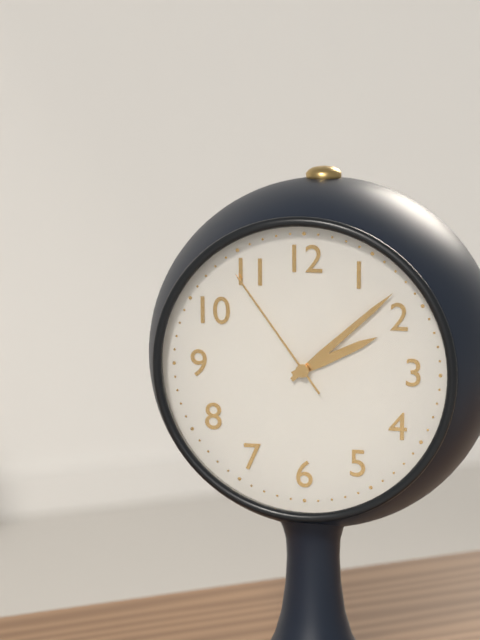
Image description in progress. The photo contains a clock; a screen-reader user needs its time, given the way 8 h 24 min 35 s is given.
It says 2 h 08 min 54 s
